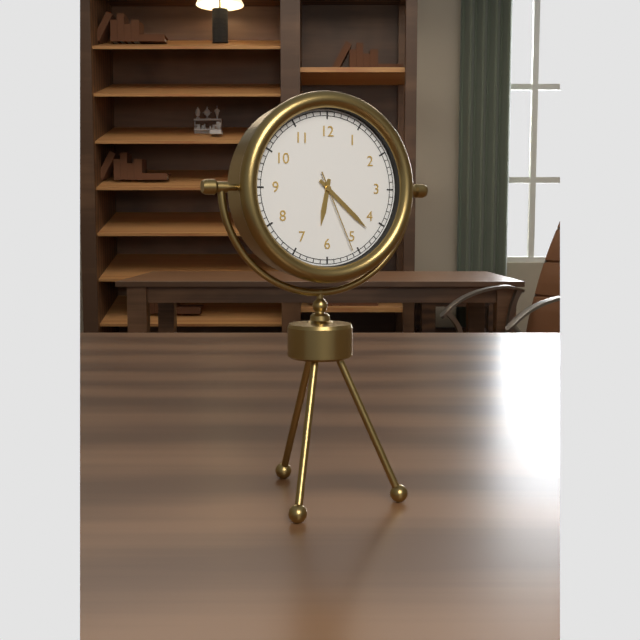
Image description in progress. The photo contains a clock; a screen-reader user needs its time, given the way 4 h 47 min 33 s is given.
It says 6 h 22 min 26 s
